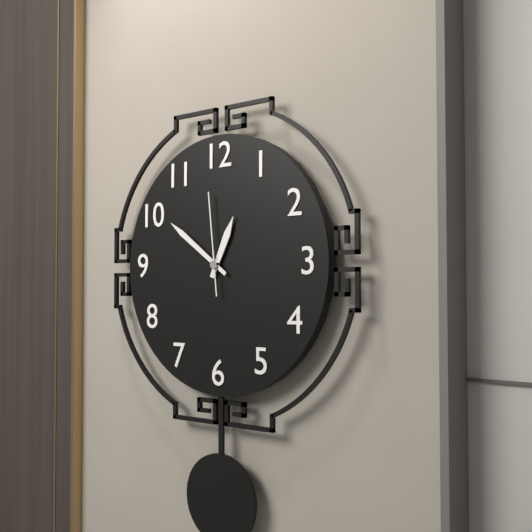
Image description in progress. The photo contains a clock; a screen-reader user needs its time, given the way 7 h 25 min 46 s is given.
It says 12 h 51 min 59 s
